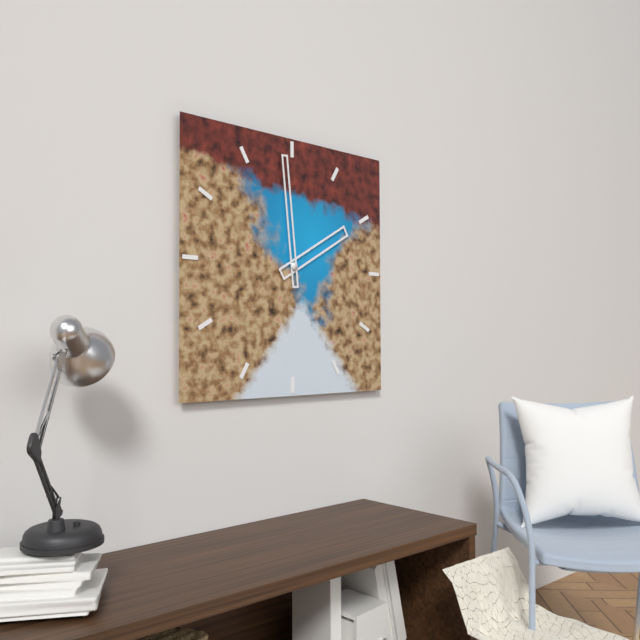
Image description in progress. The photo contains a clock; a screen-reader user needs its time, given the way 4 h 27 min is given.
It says 1 h 59 min
